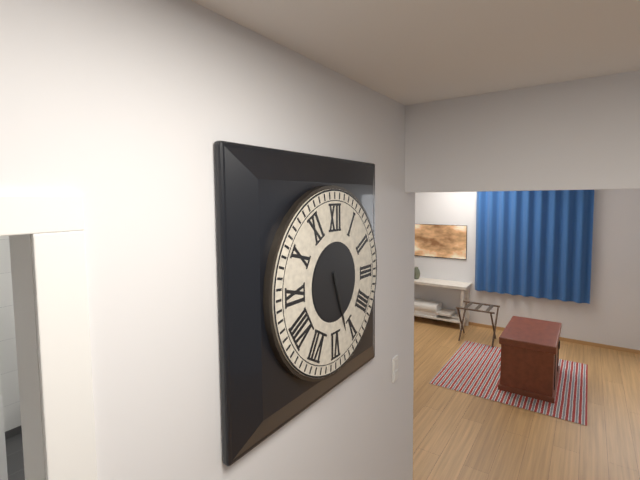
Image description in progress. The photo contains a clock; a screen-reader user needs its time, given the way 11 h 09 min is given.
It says 5 h 27 min
